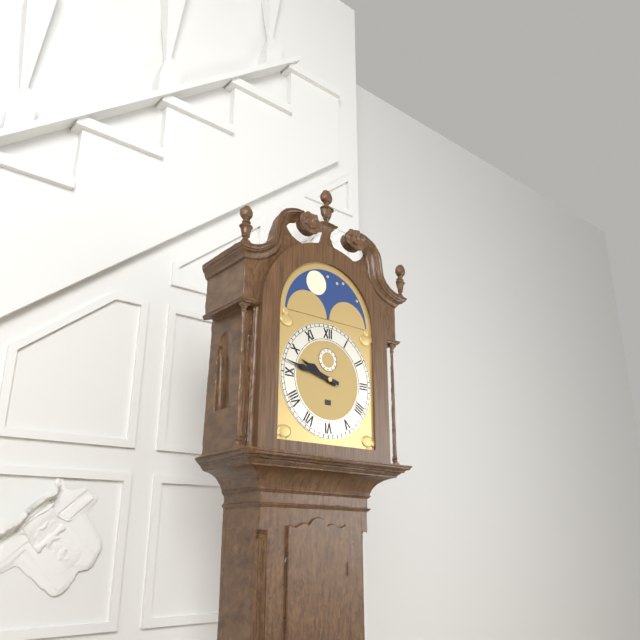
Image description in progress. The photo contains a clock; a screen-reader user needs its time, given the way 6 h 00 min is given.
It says 9 h 47 min
